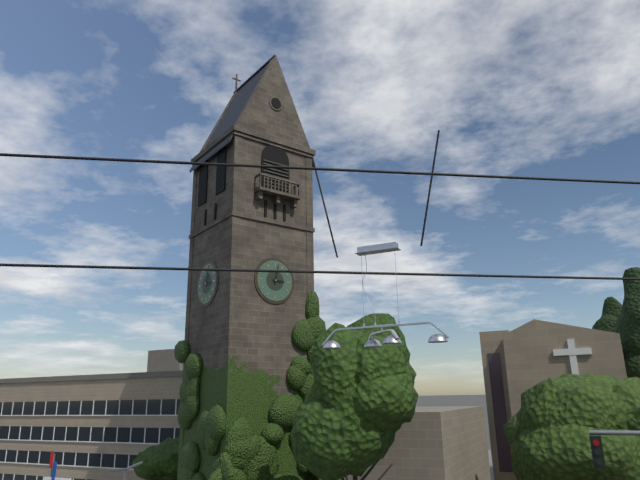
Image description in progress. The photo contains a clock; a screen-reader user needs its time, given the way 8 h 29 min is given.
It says 3 h 02 min
